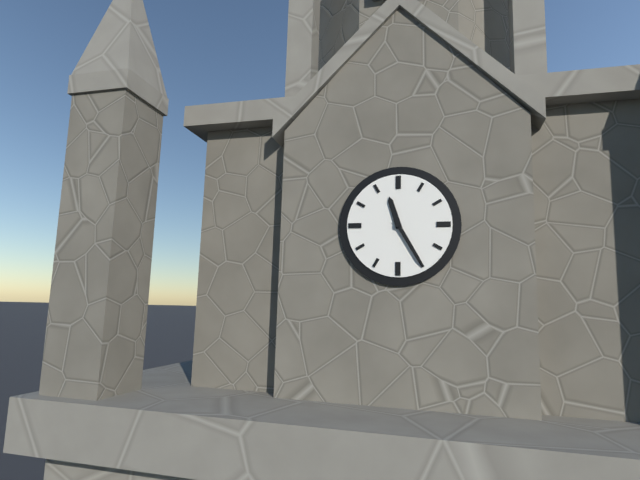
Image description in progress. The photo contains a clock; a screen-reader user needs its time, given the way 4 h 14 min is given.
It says 11 h 25 min
